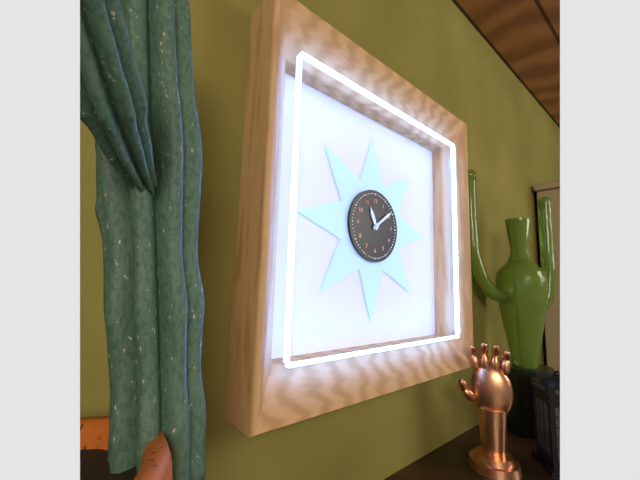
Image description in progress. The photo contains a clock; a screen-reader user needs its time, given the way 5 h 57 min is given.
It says 11 h 09 min
